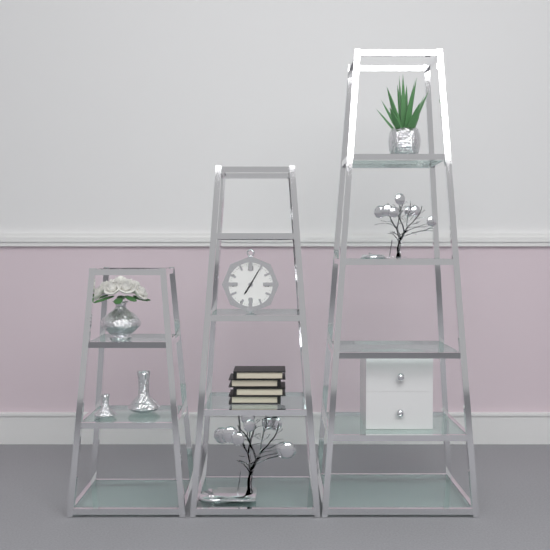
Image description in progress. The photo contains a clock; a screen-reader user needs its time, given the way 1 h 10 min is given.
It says 7 h 05 min
